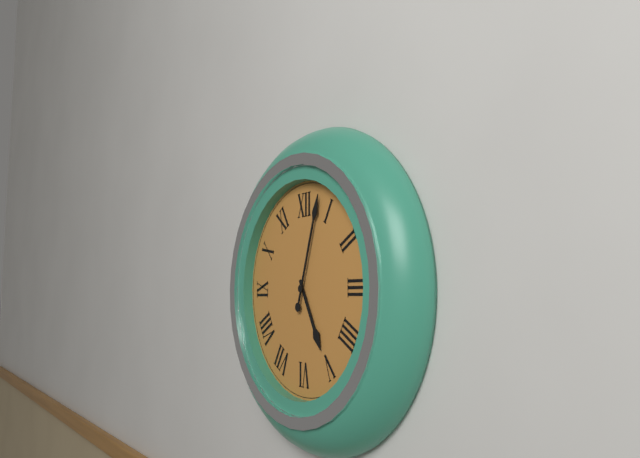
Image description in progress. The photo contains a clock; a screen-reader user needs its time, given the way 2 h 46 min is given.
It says 5 h 03 min
